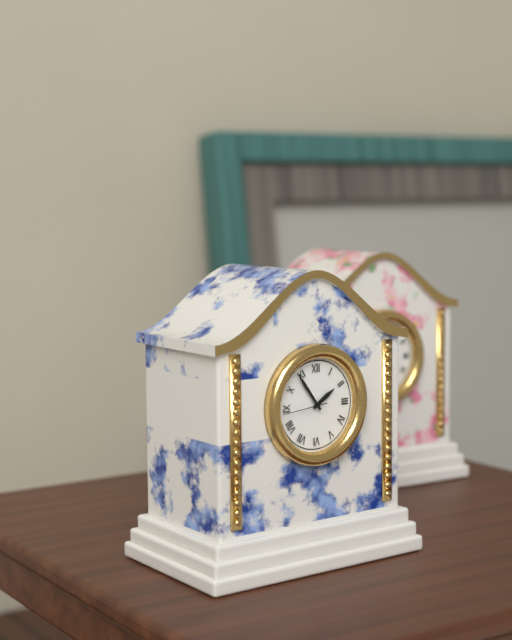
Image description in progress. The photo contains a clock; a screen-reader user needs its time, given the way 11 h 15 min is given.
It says 1 h 54 min
